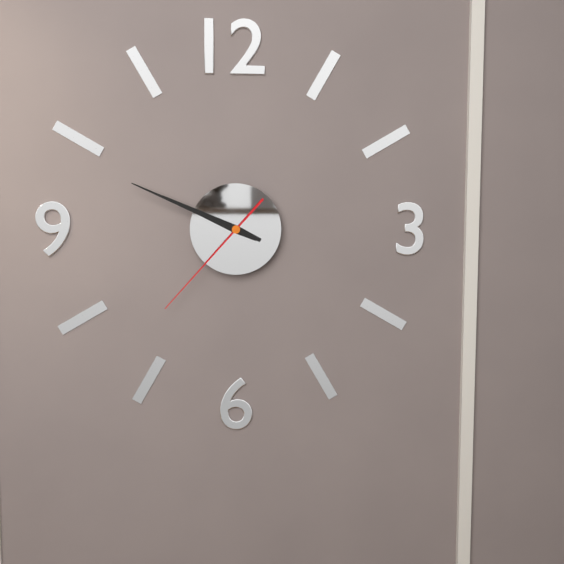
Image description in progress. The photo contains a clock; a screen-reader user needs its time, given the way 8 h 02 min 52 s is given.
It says 9 h 49 min 37 s
